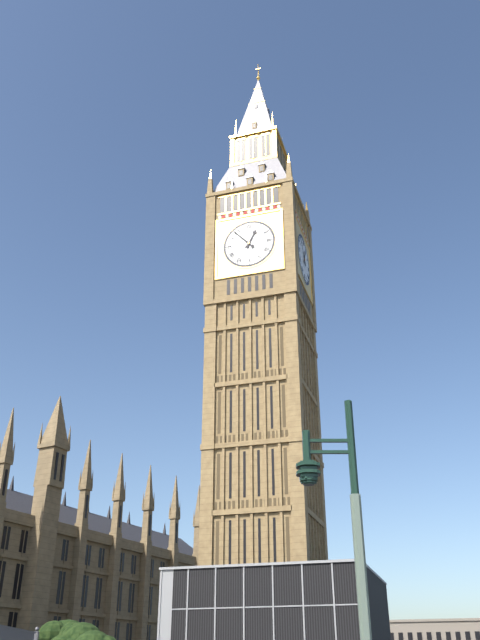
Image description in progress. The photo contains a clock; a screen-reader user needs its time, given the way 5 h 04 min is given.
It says 12 h 53 min
